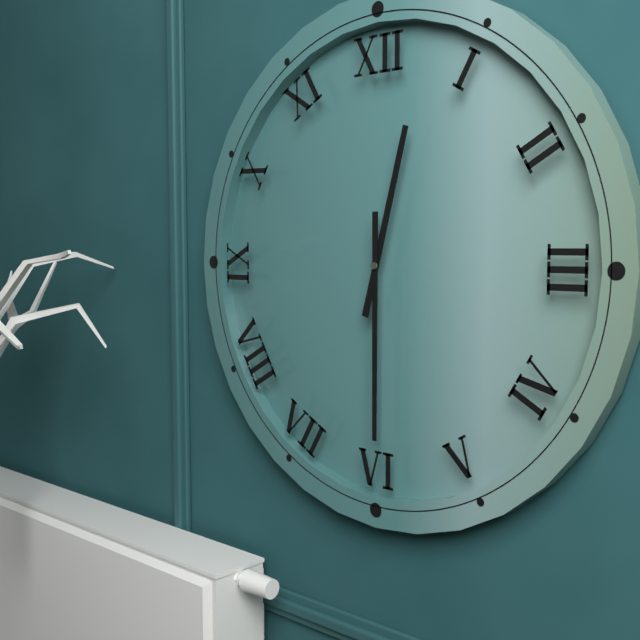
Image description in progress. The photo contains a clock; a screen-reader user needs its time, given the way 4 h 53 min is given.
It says 12 h 30 min
